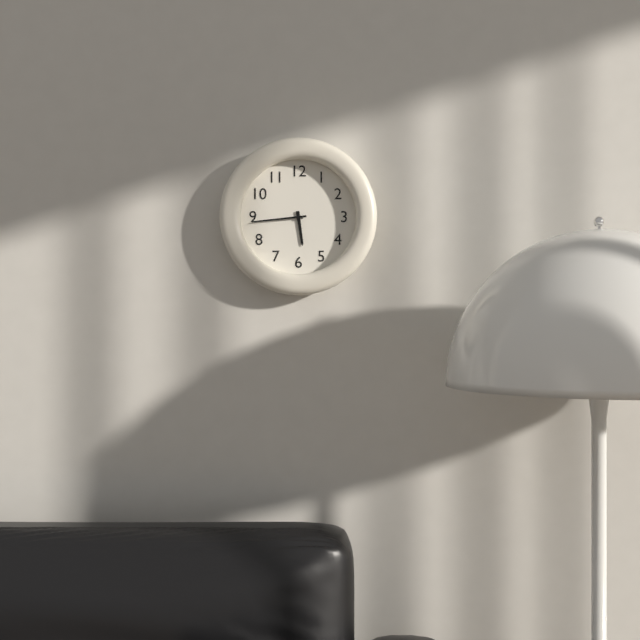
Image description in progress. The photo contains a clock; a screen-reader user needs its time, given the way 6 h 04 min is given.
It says 5 h 44 min
